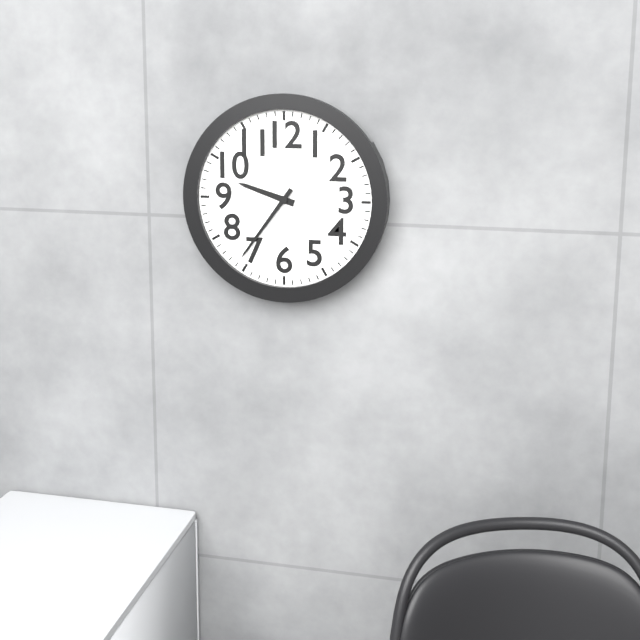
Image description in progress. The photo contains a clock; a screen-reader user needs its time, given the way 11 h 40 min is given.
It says 9 h 36 min
